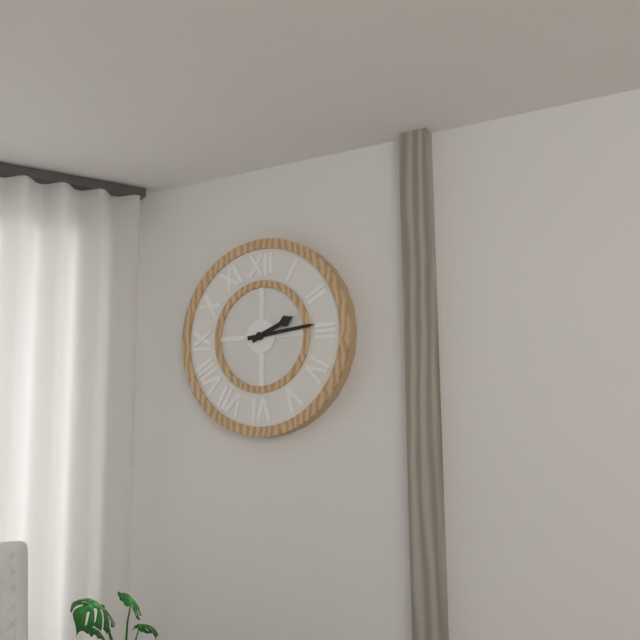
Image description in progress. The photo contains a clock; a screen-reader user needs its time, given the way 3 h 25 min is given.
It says 2 h 14 min
